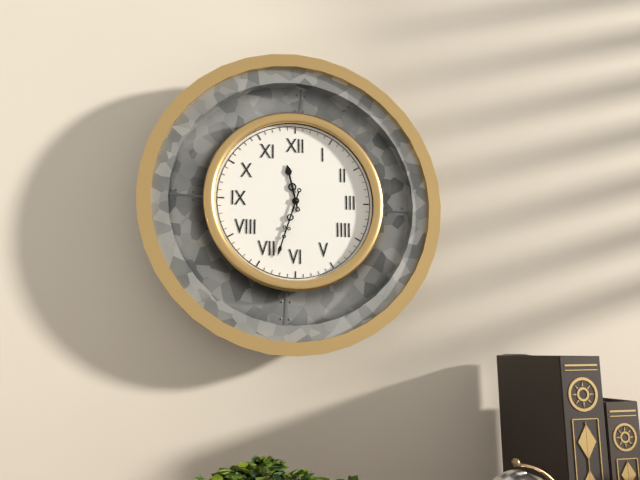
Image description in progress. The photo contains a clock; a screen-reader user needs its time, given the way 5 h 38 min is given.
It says 11 h 33 min
